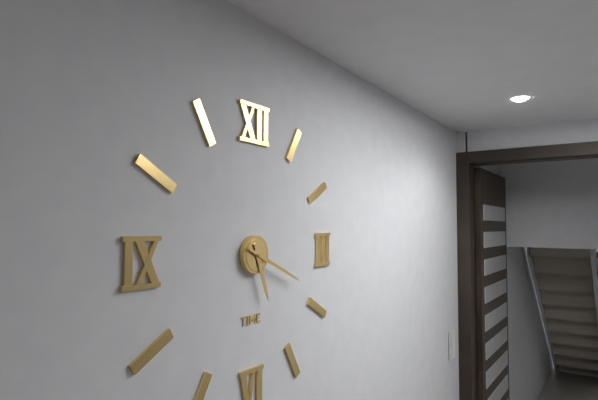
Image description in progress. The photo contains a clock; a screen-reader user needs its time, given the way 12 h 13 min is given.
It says 5 h 19 min
